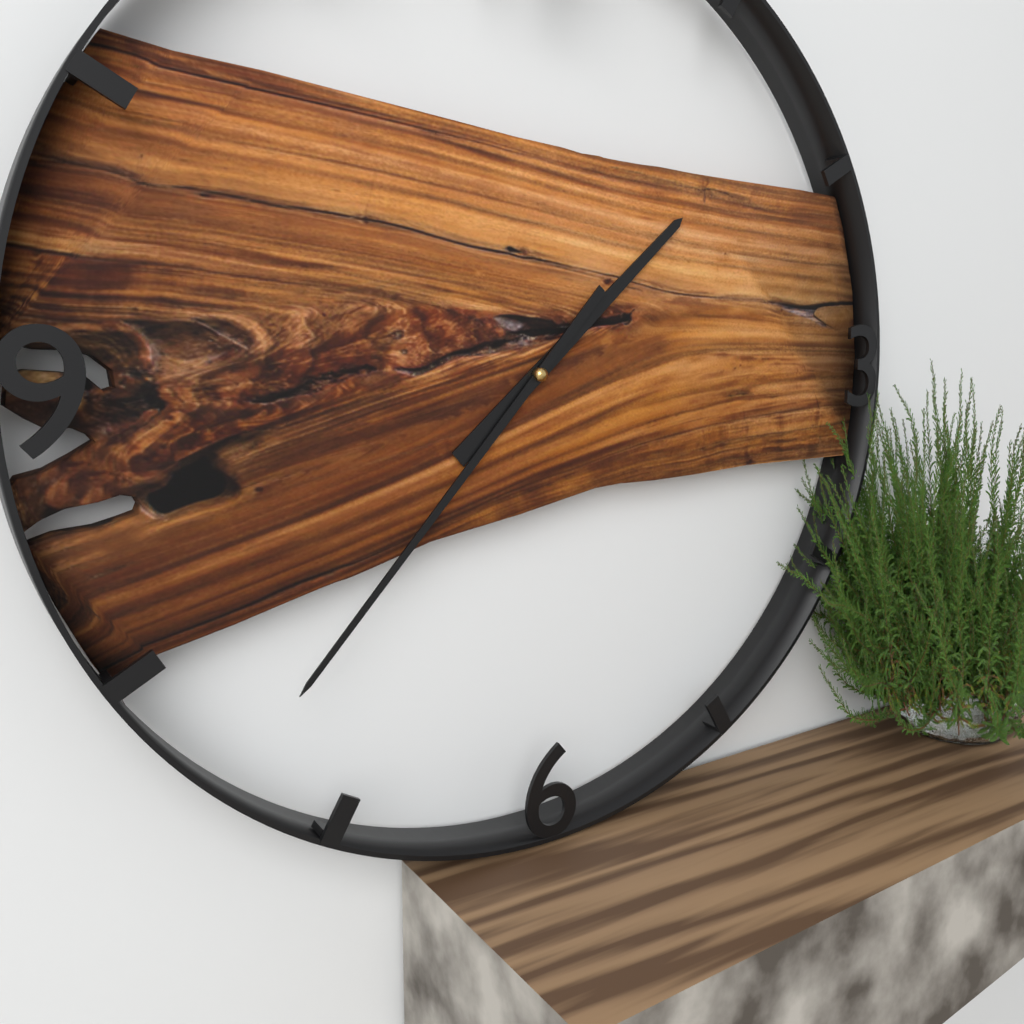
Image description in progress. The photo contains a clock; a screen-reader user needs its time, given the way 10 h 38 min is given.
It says 1 h 37 min
